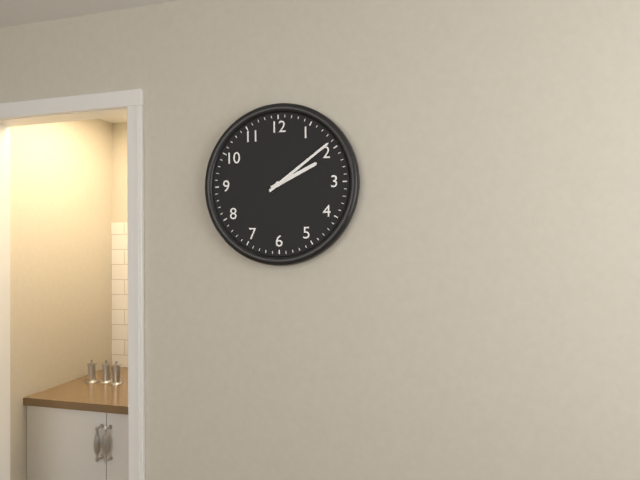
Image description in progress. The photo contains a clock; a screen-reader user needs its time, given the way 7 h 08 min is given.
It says 2 h 09 min
